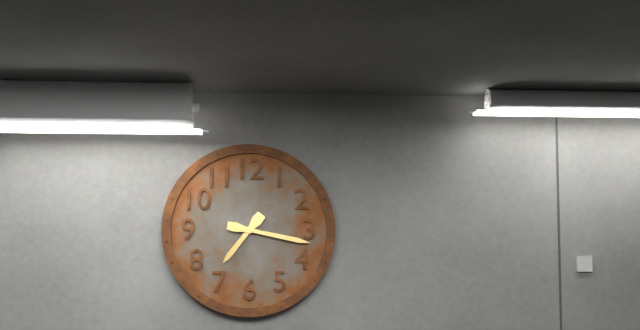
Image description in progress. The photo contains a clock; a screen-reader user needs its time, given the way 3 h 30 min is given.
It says 7 h 17 min
